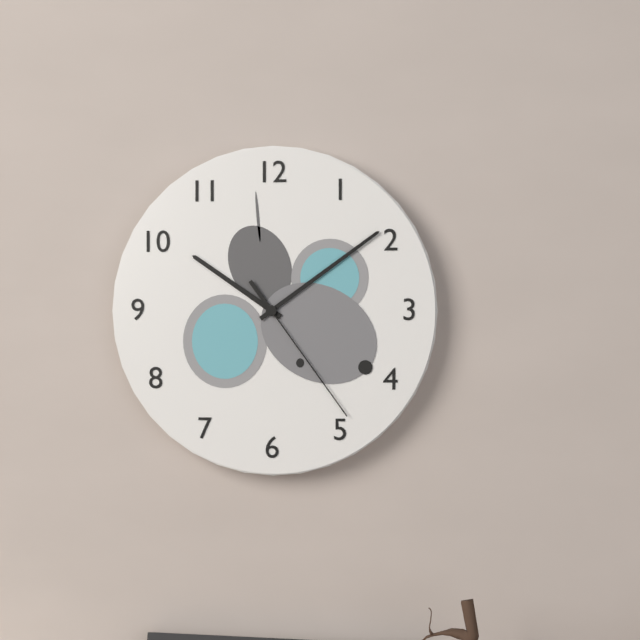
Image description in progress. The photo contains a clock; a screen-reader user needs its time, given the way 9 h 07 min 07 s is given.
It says 10 h 09 min 24 s
